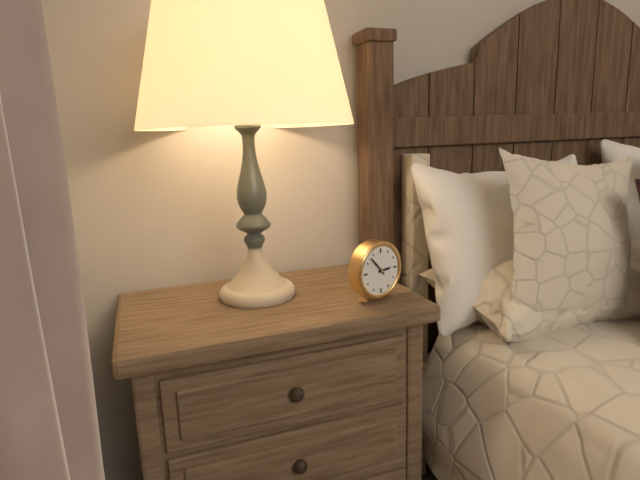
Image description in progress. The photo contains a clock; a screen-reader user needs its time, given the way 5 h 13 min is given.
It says 2 h 53 min
